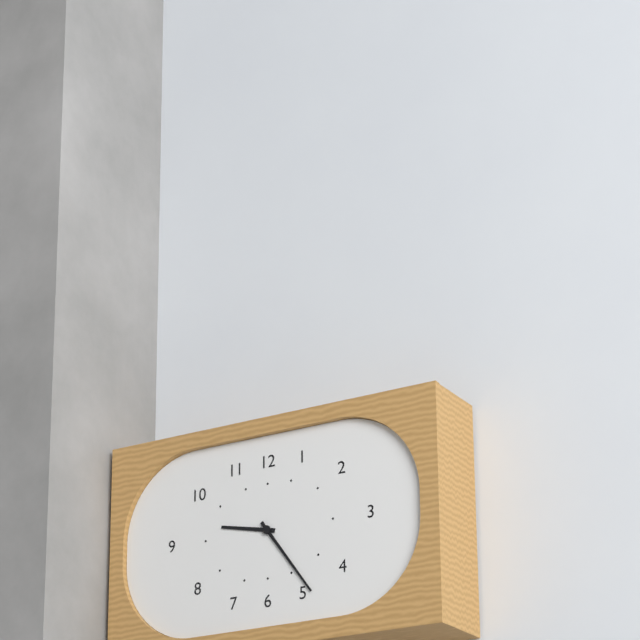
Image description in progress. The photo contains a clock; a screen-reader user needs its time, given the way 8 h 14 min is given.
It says 9 h 24 min
